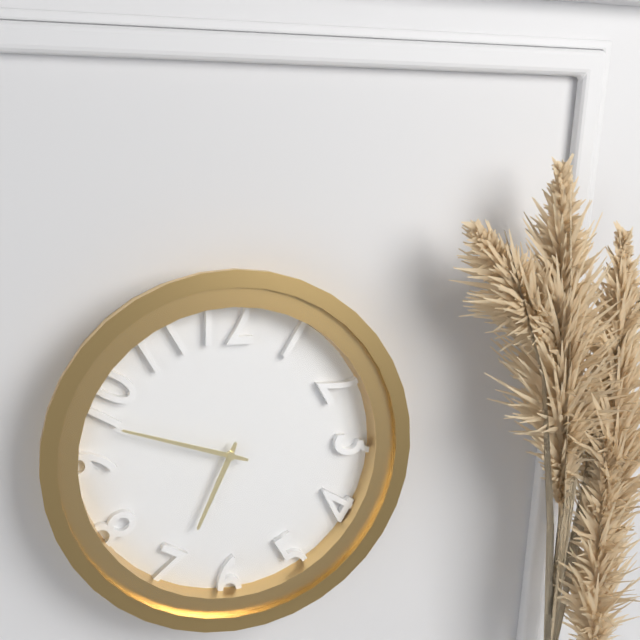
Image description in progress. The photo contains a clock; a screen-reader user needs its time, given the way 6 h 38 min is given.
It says 6 h 48 min
